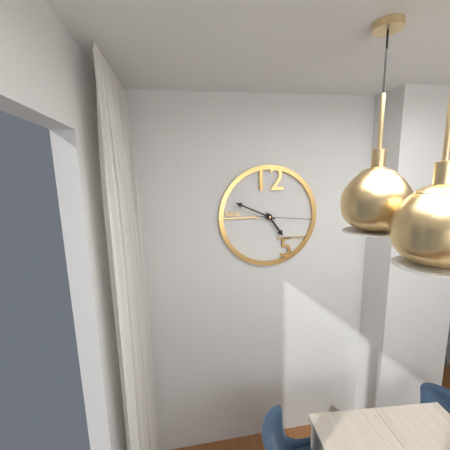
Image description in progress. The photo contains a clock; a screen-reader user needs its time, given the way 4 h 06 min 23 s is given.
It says 4 h 49 min 16 s
